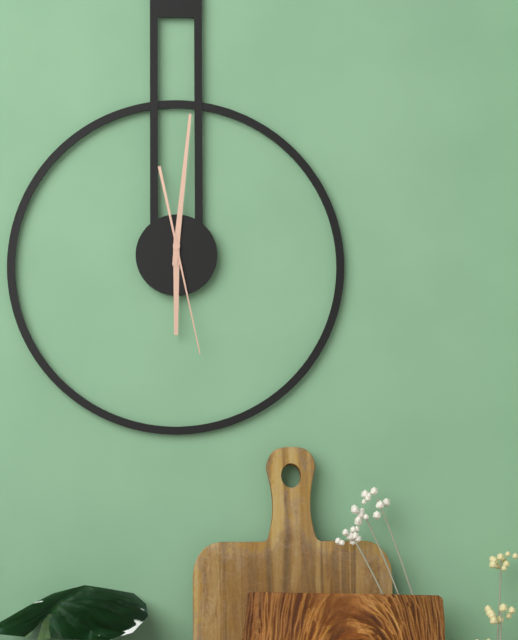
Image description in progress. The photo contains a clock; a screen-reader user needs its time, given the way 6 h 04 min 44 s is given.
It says 6 h 01 min 28 s
